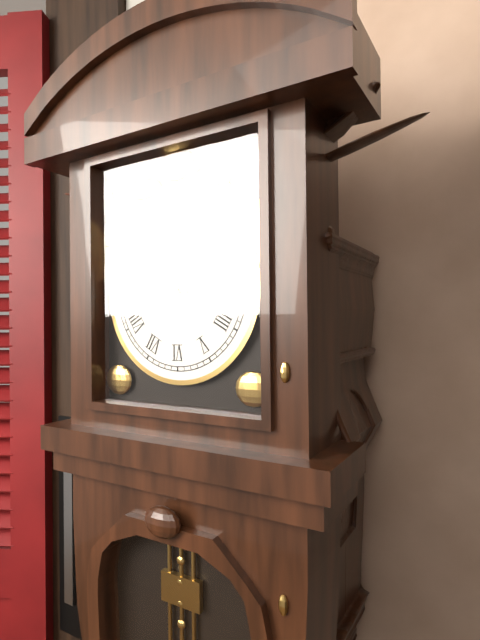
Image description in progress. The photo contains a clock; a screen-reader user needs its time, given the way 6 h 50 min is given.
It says 9 h 12 min
